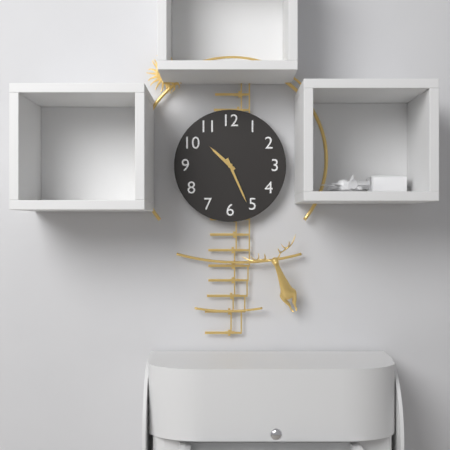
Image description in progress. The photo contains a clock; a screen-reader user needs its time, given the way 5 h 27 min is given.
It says 10 h 26 min
